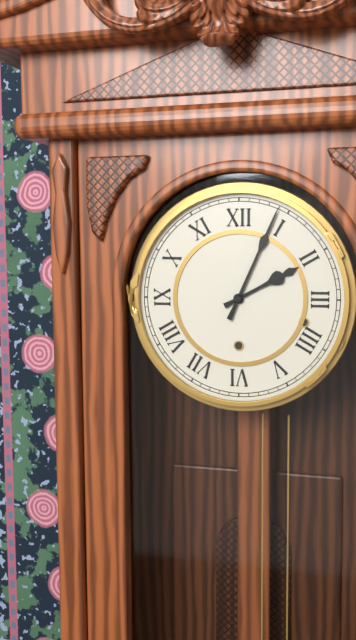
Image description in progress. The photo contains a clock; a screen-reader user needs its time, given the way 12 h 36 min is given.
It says 2 h 04 min
